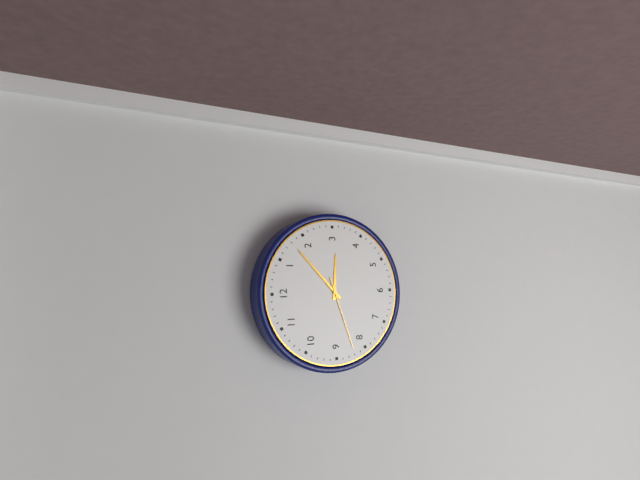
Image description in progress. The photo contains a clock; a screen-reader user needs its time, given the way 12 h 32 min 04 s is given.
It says 3 h 08 min 42 s
